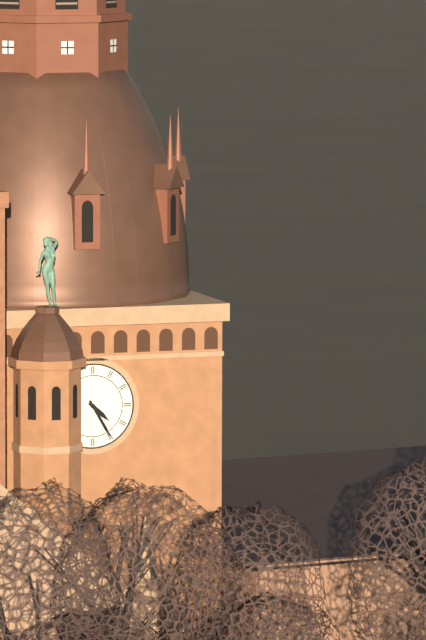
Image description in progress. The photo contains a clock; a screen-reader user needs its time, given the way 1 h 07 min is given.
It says 4 h 25 min
